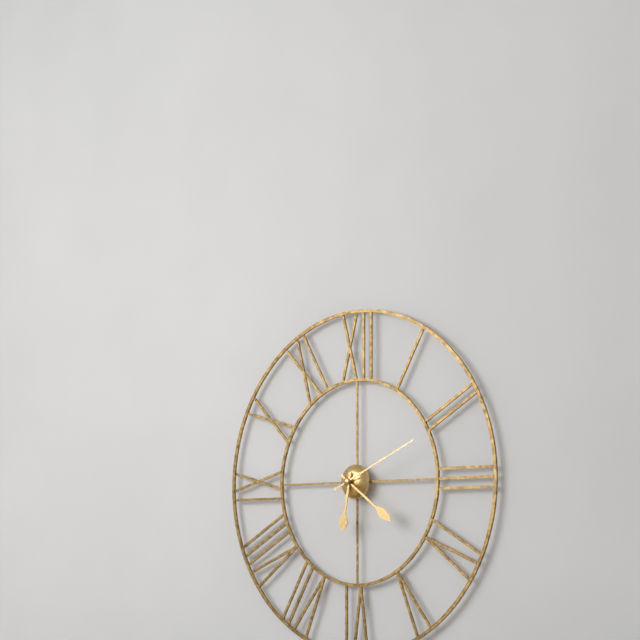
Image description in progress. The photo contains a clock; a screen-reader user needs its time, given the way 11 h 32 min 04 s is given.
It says 6 h 21 min 11 s
